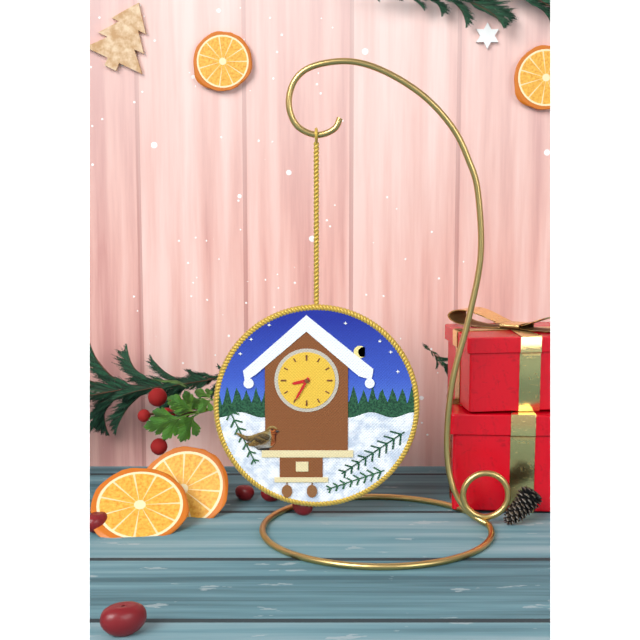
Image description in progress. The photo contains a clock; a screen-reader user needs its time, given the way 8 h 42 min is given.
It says 8 h 35 min
